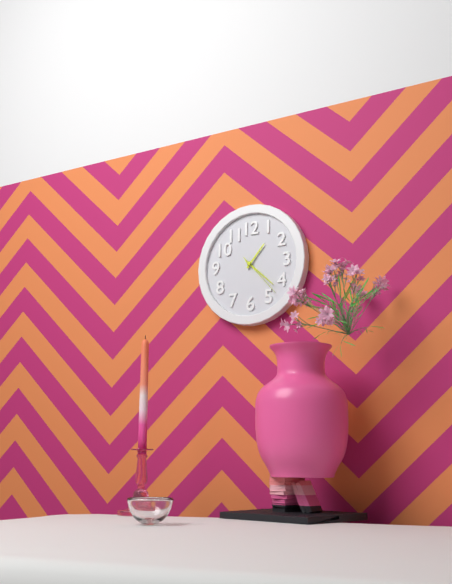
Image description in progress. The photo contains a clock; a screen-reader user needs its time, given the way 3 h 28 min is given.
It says 1 h 22 min
